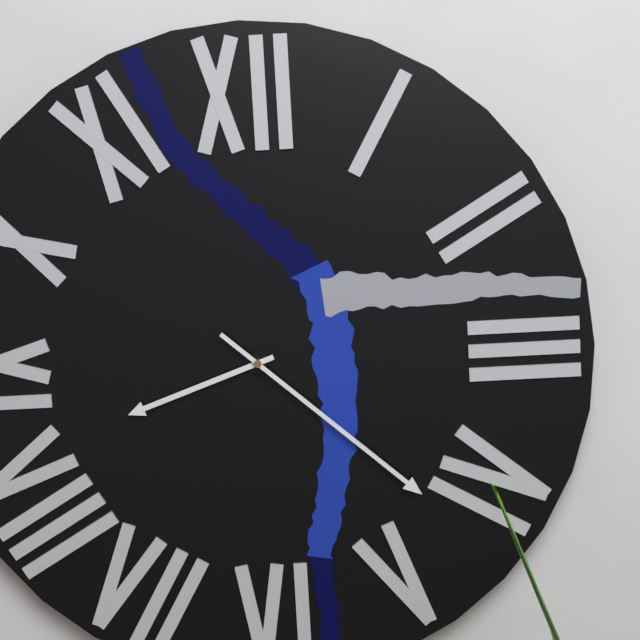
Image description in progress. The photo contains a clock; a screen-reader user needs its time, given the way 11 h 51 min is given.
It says 8 h 22 min
